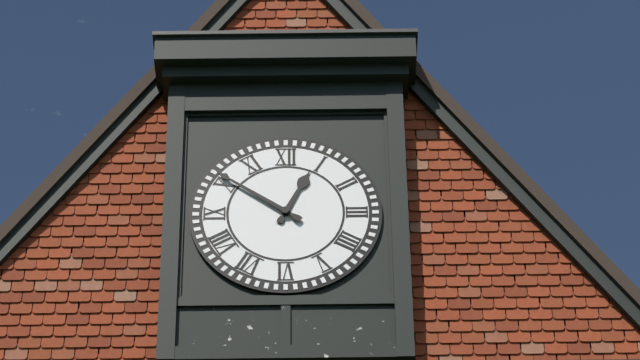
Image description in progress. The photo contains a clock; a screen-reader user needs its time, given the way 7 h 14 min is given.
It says 12 h 51 min
